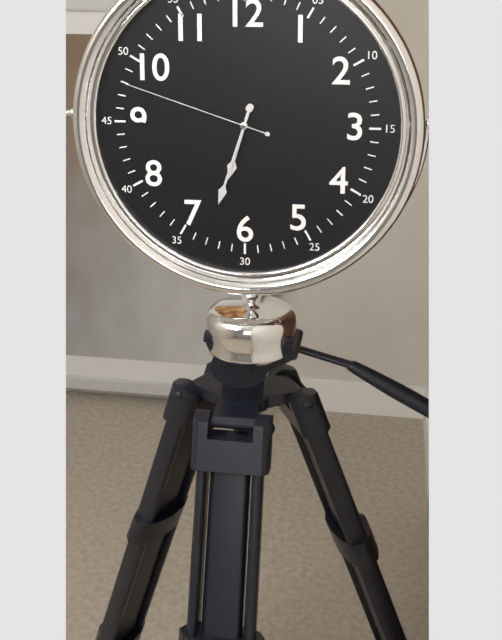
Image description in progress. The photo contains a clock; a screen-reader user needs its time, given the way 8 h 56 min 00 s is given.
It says 6 h 33 min 48 s
